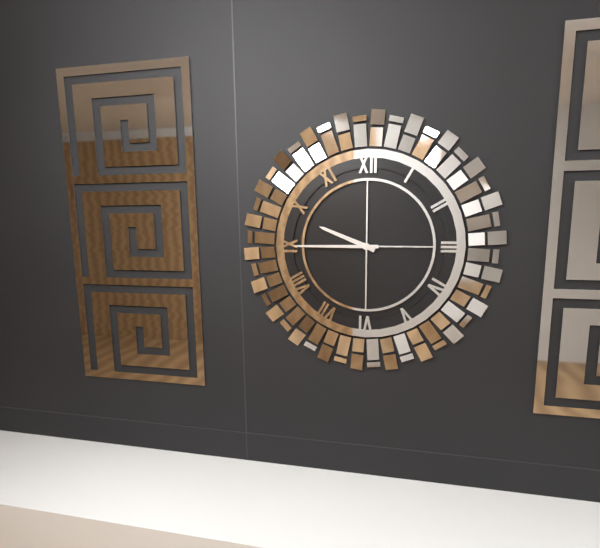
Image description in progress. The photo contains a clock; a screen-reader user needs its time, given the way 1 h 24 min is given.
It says 9 h 45 min
